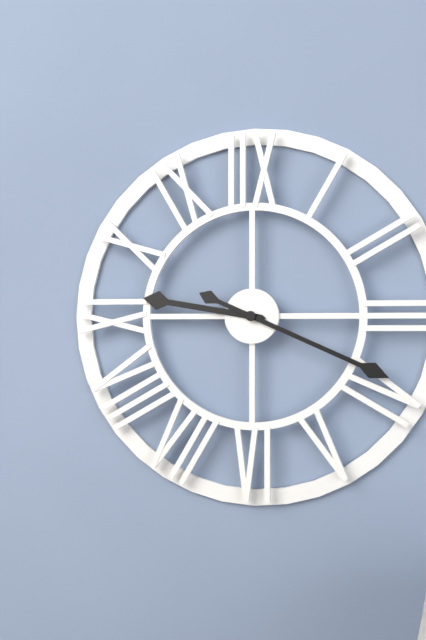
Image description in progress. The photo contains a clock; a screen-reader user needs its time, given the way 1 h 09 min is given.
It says 9 h 19 min
